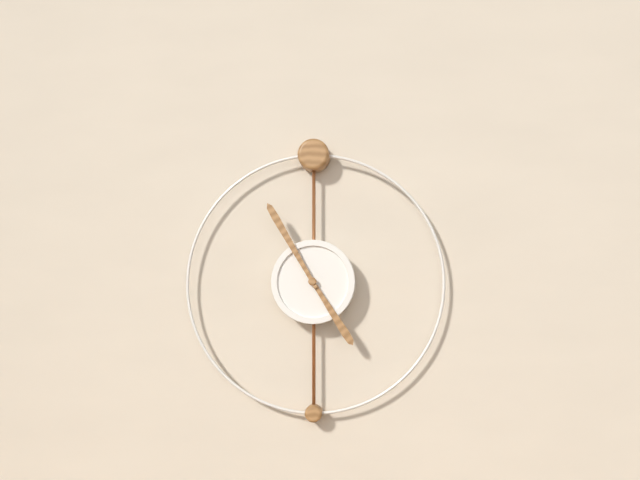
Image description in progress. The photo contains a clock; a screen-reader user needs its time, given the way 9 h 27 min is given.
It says 4 h 55 min
